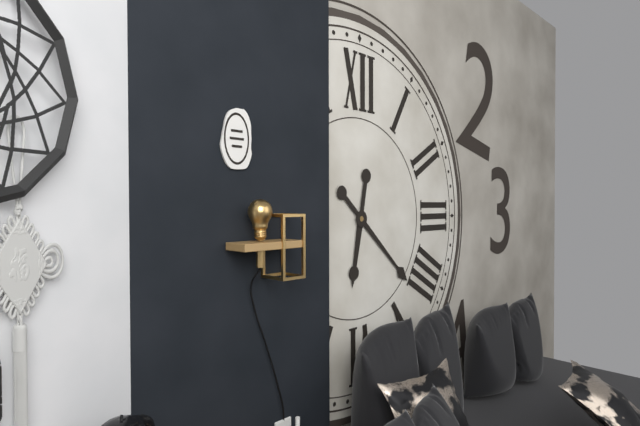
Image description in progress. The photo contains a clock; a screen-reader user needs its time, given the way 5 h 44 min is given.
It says 6 h 22 min
